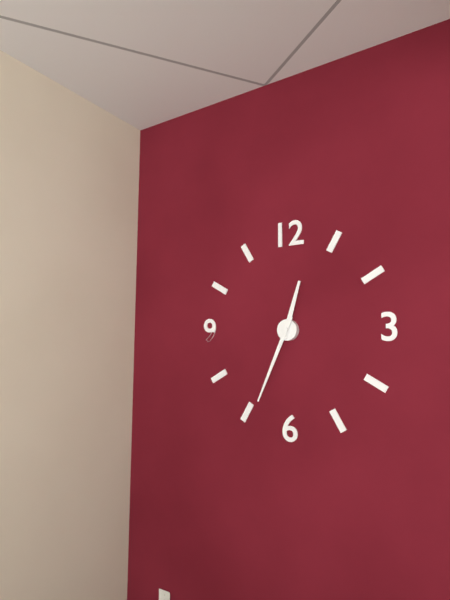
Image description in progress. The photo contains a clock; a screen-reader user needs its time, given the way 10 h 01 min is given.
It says 12 h 34 min
